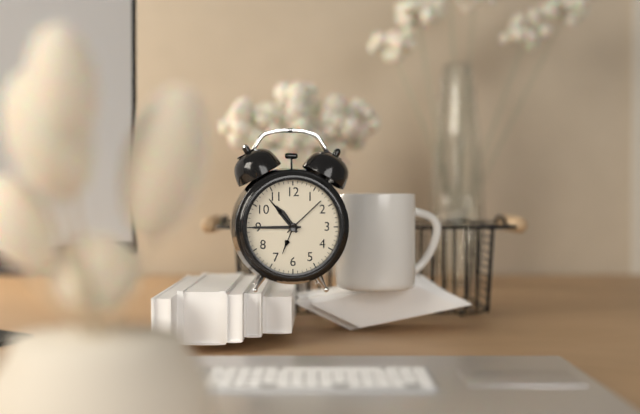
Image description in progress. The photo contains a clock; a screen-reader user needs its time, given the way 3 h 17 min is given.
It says 10 h 45 min
